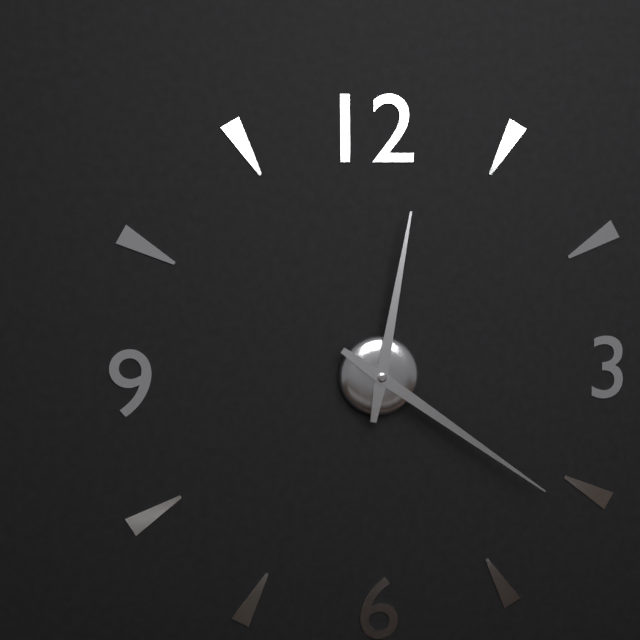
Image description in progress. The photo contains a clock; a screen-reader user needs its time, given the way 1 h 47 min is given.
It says 12 h 21 min
